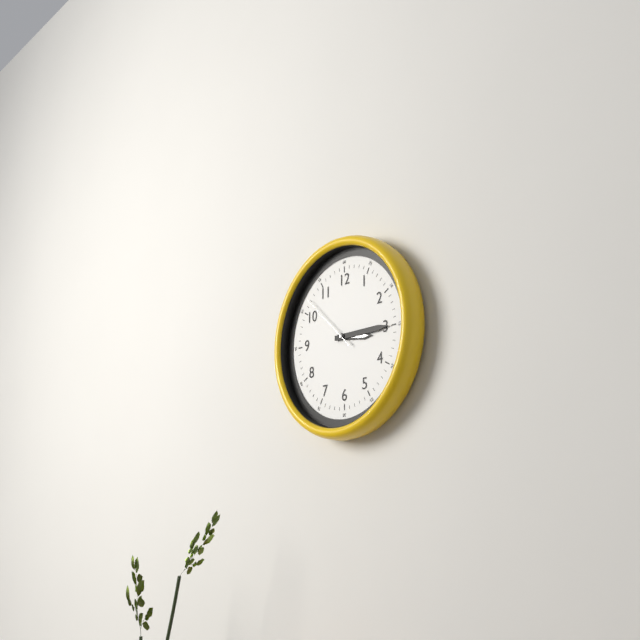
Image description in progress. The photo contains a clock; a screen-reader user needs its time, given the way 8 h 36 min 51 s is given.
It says 3 h 15 min 52 s
